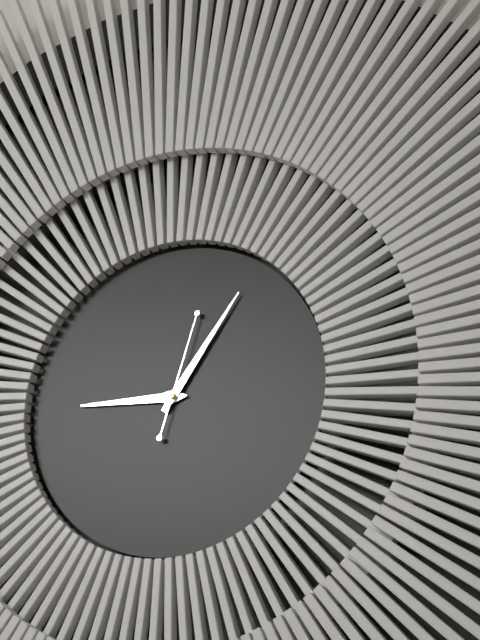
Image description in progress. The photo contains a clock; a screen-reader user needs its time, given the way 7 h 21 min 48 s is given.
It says 9 h 06 min 03 s
